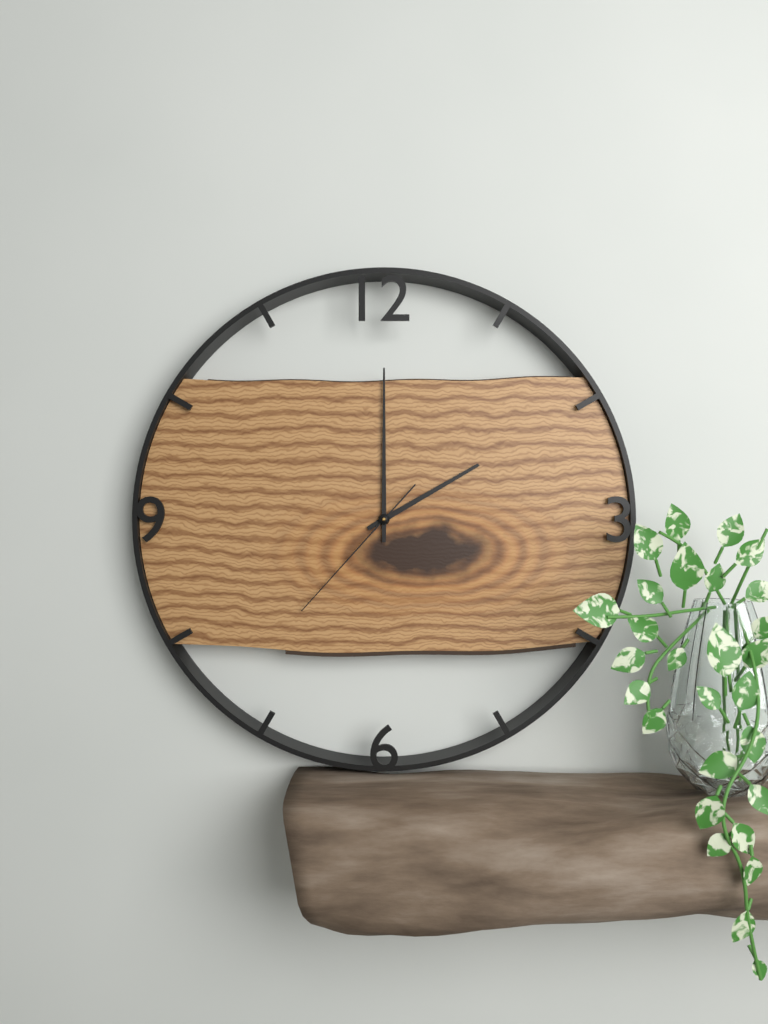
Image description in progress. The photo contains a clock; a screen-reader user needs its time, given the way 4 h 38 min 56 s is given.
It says 2 h 00 min 37 s
